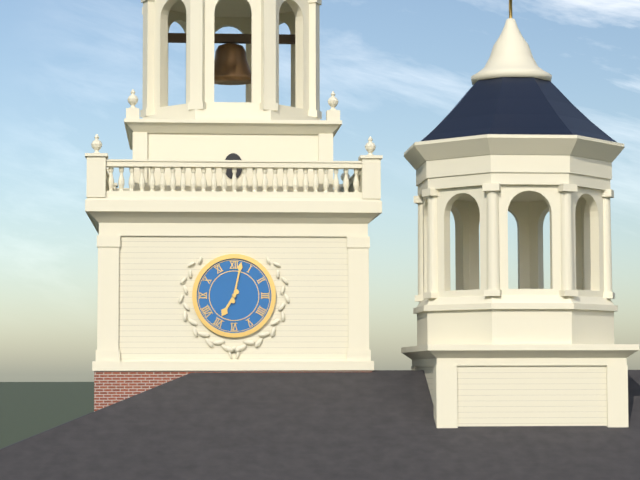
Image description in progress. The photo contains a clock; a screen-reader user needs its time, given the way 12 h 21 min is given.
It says 7 h 02 min
